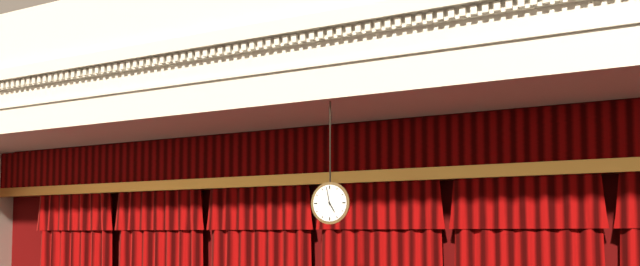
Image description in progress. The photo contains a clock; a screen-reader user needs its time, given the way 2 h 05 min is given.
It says 4 h 58 min
